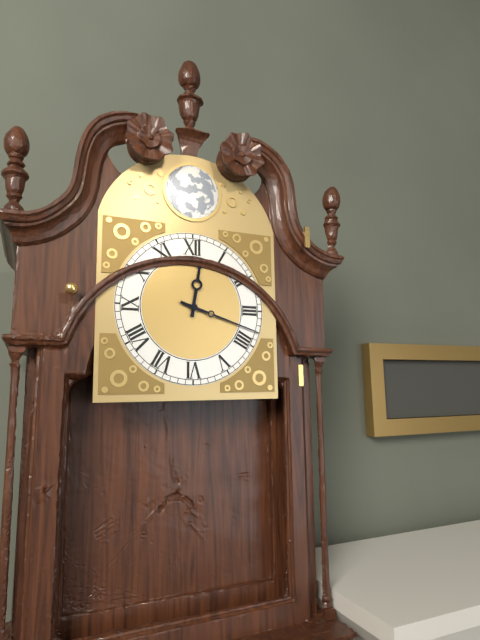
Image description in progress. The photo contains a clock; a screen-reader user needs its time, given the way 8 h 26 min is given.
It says 12 h 18 min
